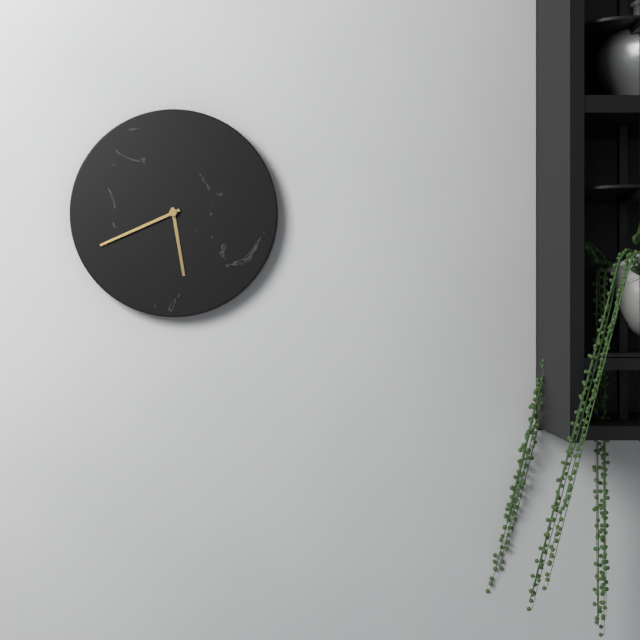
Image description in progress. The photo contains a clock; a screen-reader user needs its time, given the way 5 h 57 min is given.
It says 5 h 41 min
